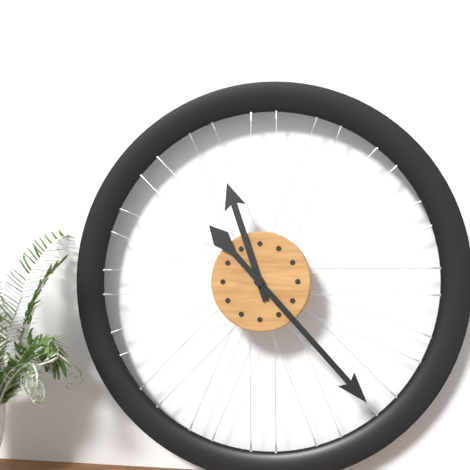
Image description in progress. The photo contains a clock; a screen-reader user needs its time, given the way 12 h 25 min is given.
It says 11 h 23 min
